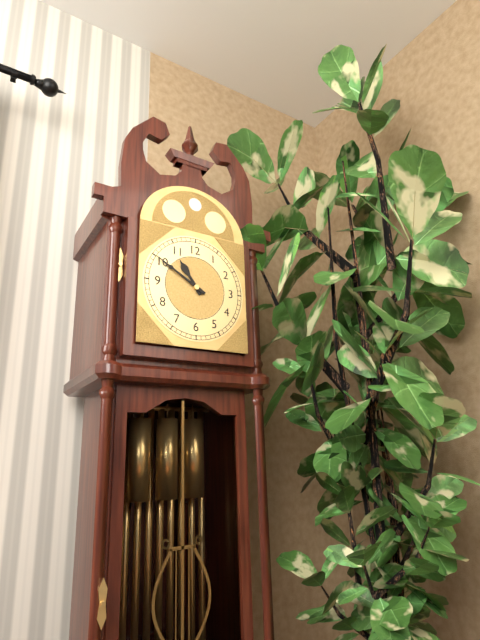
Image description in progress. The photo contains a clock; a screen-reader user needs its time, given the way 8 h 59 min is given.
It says 10 h 50 min
